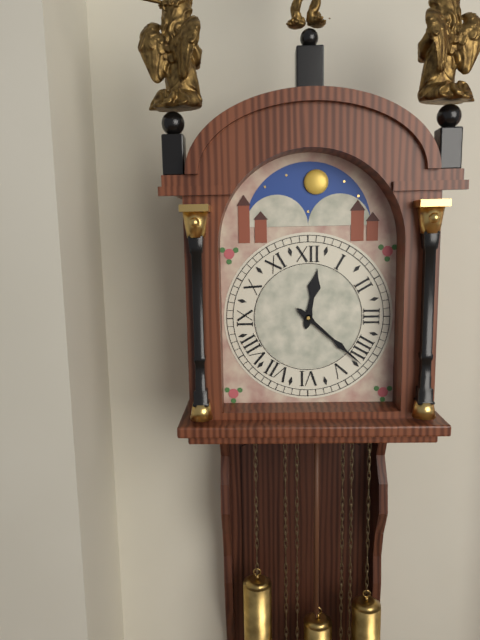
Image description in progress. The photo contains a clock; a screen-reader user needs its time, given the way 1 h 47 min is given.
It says 12 h 22 min
